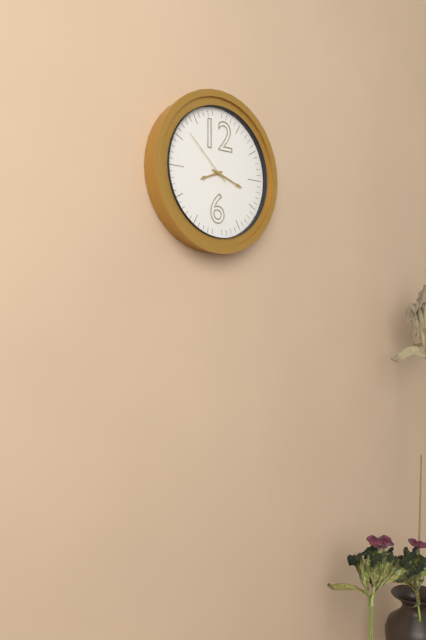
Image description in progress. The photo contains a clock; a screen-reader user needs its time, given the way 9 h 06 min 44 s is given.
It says 8 h 18 min 52 s
